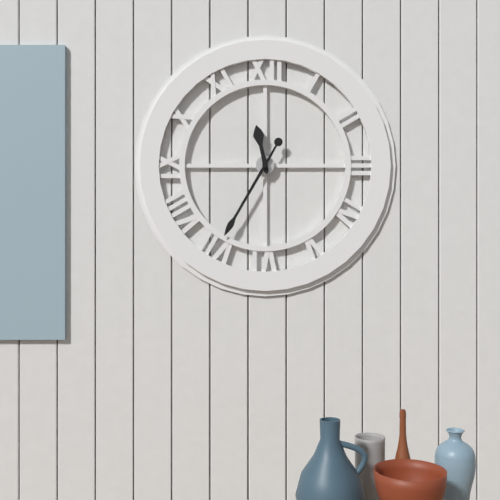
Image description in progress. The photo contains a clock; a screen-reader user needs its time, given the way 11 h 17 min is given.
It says 11 h 35 min
